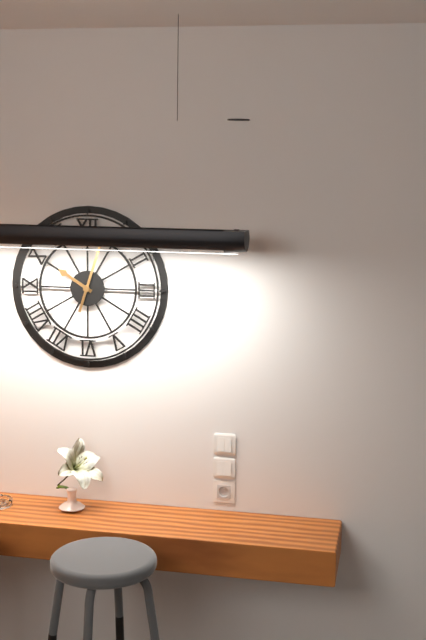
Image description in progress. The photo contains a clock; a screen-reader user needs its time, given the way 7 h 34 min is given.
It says 10 h 03 min
